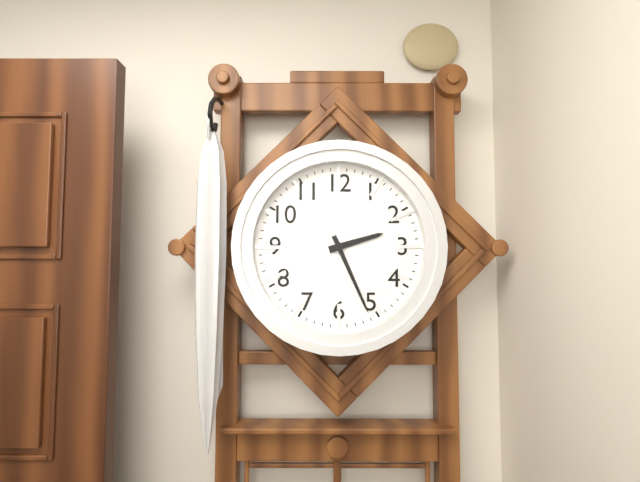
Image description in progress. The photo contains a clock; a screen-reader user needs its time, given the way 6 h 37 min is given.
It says 2 h 26 min
